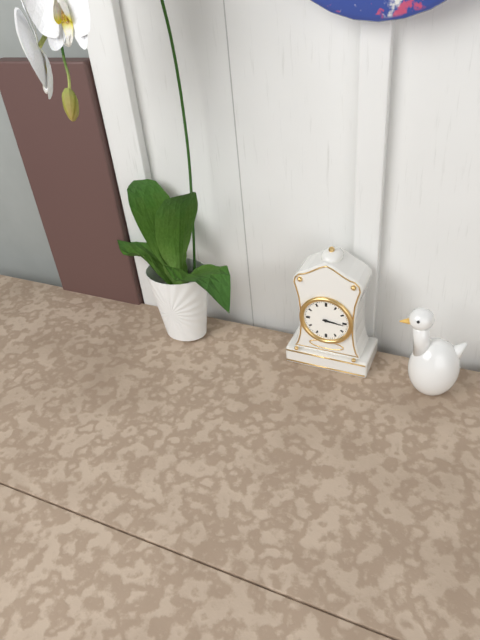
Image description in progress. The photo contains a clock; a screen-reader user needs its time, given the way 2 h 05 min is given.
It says 3 h 16 min
